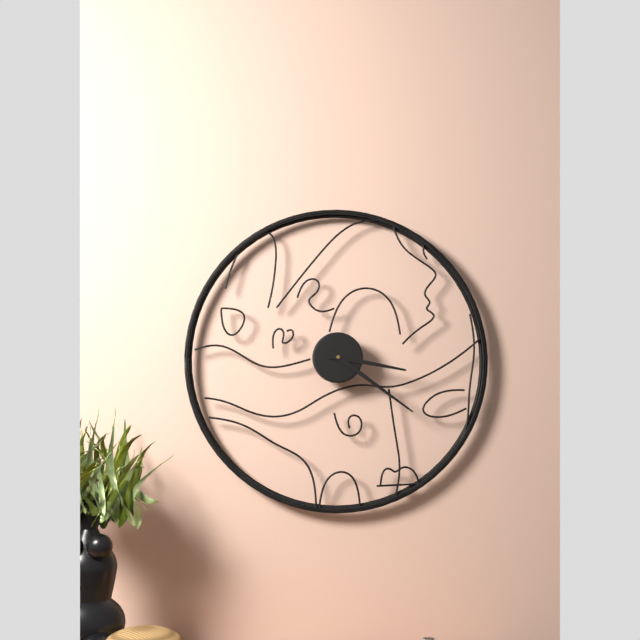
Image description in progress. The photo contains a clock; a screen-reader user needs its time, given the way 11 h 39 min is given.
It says 3 h 21 min
